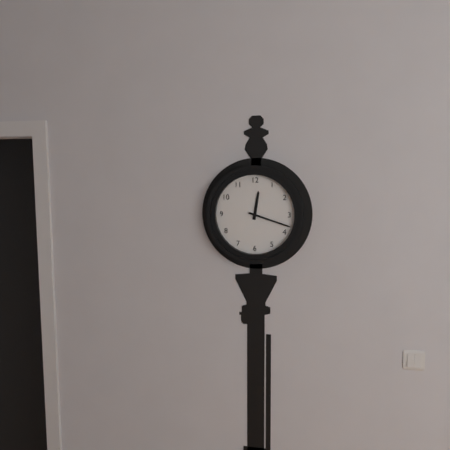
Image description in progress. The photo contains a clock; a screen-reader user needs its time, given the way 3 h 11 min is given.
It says 12 h 18 min
